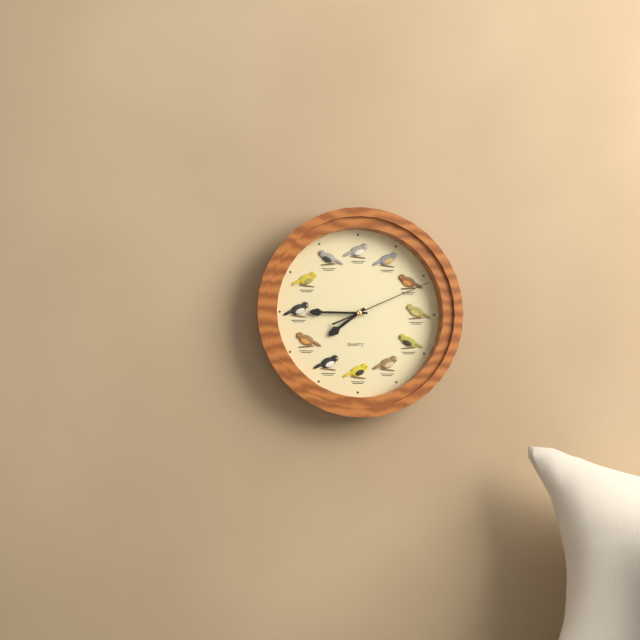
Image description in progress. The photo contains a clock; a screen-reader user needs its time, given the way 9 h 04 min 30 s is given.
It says 7 h 45 min 11 s
